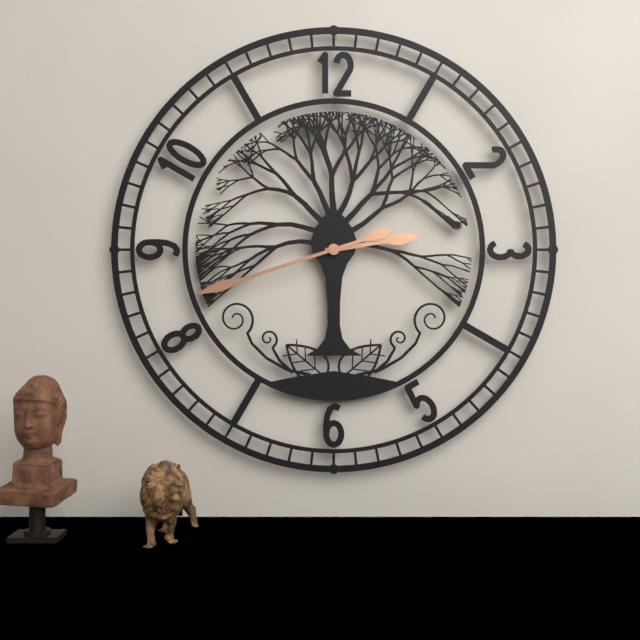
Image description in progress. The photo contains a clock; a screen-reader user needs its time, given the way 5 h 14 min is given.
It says 2 h 42 min
